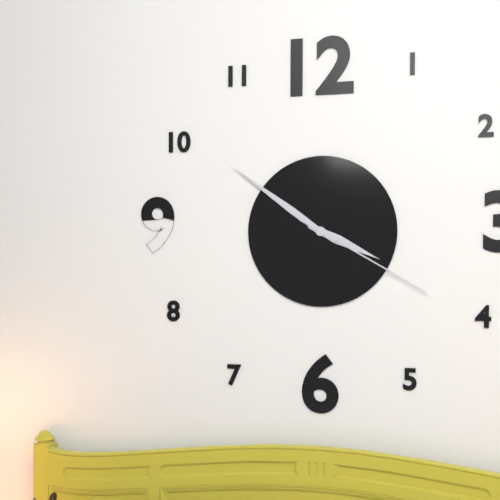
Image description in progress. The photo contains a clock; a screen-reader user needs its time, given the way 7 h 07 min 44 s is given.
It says 3 h 51 min 20 s
